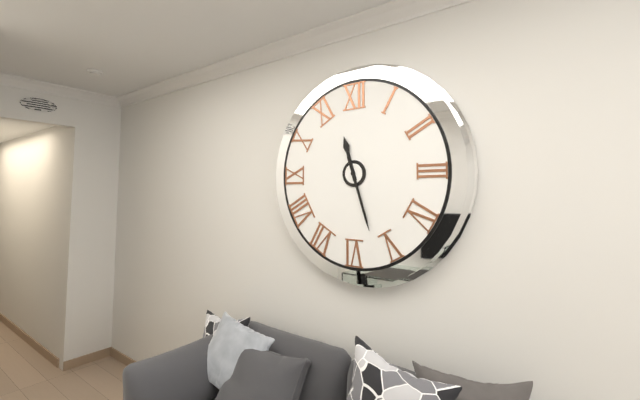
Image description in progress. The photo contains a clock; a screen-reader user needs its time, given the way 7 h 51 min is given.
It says 11 h 27 min
